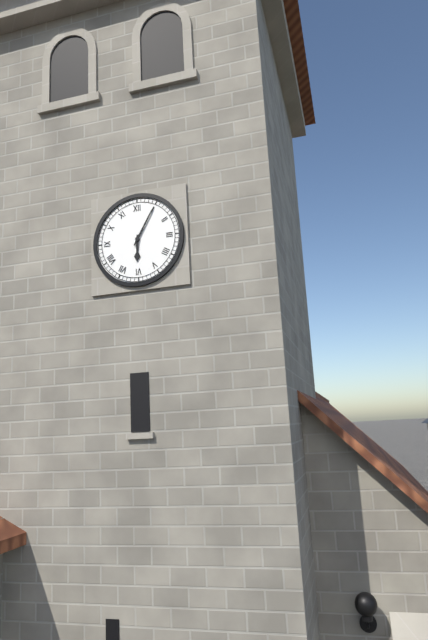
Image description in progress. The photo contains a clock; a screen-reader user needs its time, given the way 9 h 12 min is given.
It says 6 h 05 min
